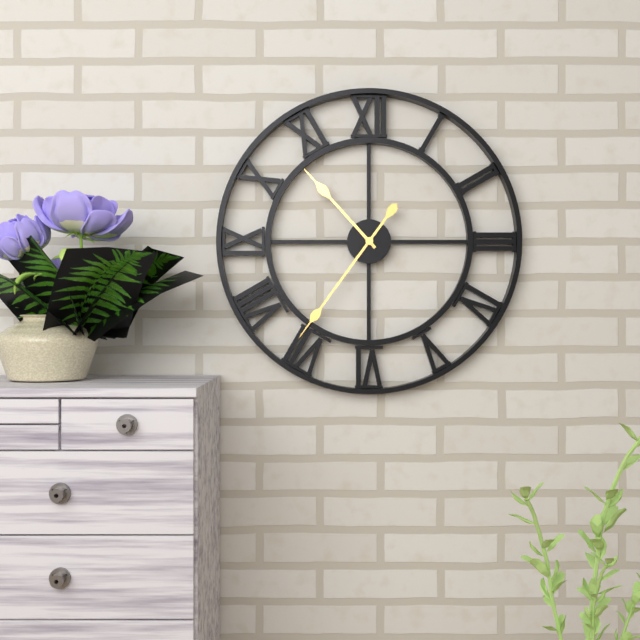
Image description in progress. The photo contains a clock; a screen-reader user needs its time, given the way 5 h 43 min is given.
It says 10 h 36 min
